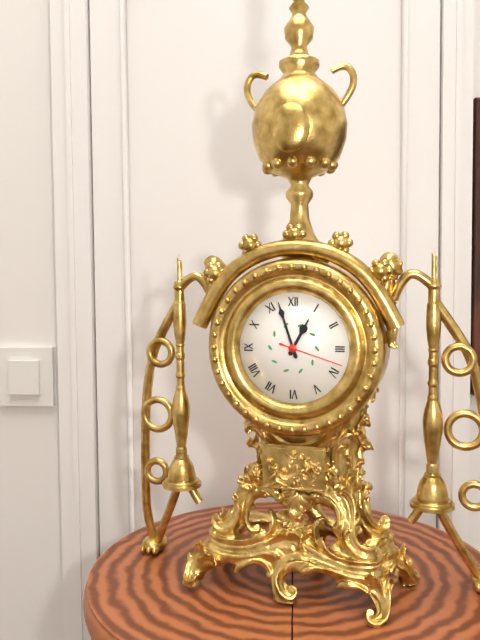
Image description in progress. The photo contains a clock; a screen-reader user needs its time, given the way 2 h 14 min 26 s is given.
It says 12 h 57 min 18 s
